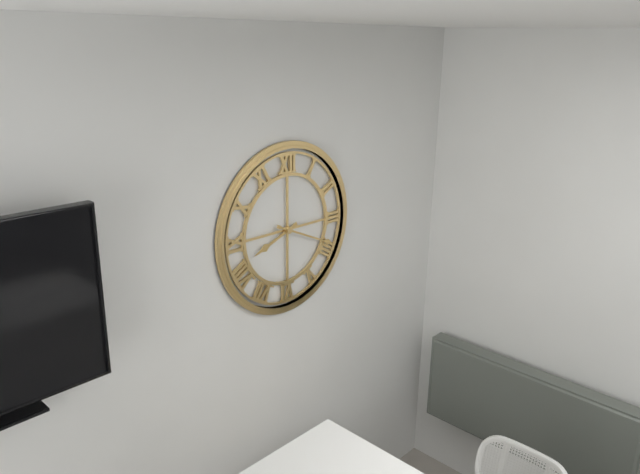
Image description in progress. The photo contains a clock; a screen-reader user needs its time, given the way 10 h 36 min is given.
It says 8 h 19 min
